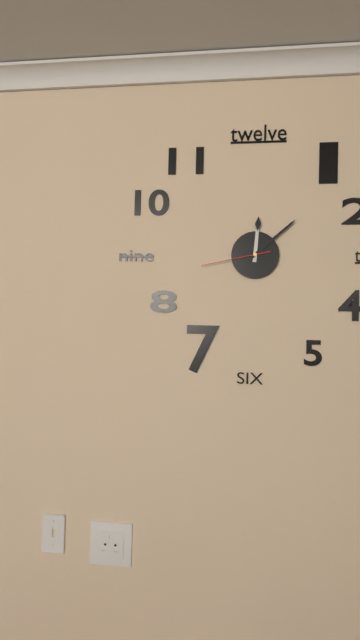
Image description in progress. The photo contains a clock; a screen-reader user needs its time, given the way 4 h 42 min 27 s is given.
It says 12 h 08 min 43 s
